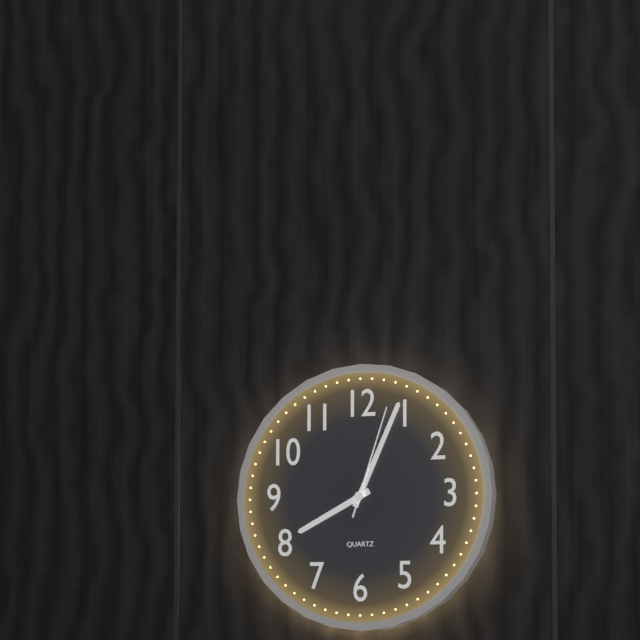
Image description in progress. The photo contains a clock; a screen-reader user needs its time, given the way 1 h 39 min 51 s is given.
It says 8 h 04 min 03 s
